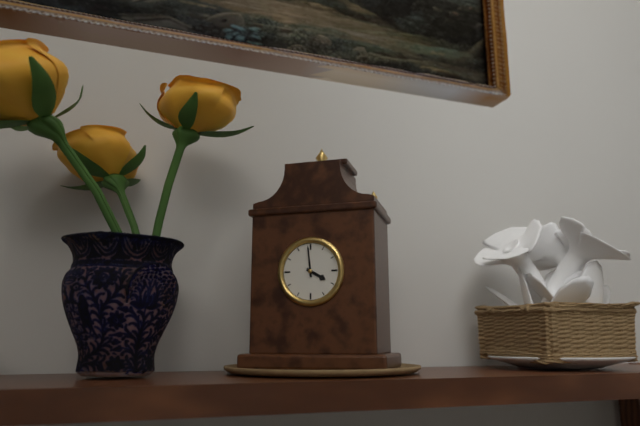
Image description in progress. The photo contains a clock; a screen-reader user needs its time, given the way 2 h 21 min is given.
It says 3 h 59 min
